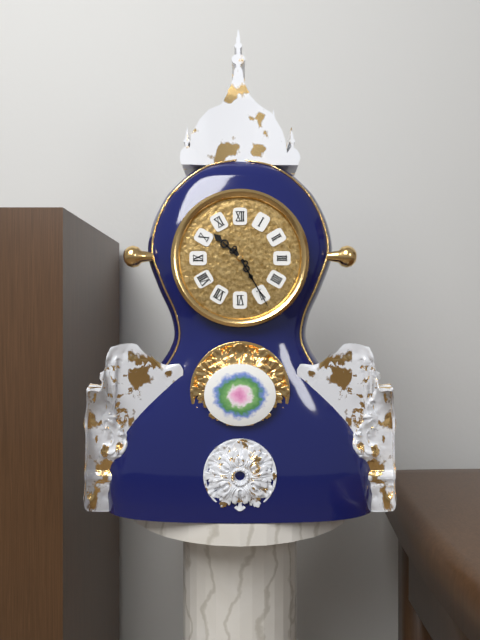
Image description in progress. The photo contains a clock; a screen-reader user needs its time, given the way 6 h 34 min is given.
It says 10 h 25 min
